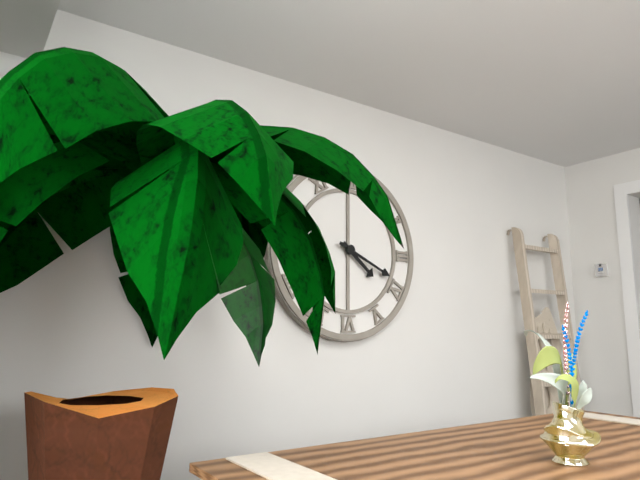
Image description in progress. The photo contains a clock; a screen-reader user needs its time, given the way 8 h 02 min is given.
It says 4 h 19 min
